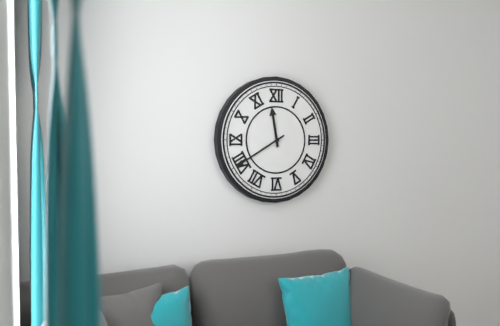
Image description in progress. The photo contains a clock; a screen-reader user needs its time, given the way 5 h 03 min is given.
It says 11 h 40 min
